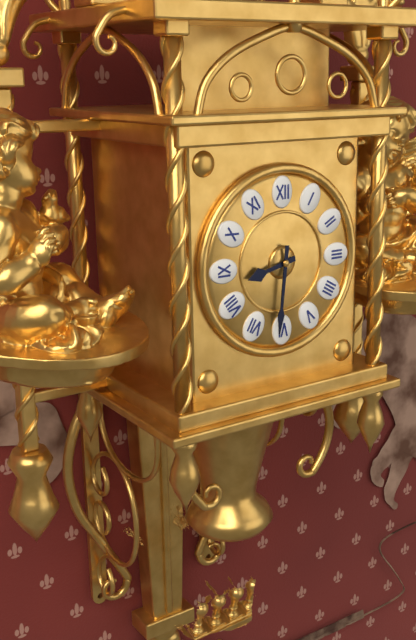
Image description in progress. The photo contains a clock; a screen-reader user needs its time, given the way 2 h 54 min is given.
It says 8 h 31 min
